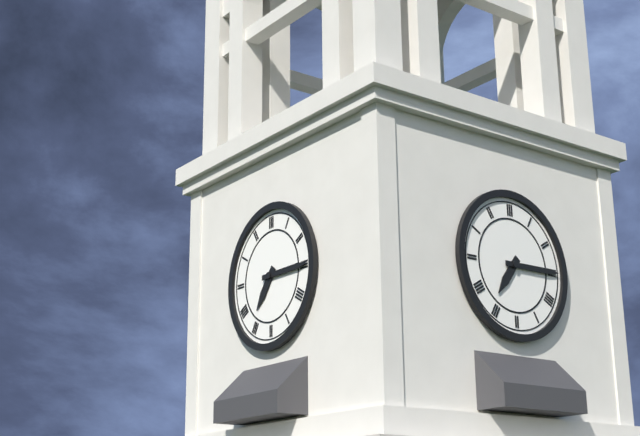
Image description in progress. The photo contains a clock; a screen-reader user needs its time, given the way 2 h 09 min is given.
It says 7 h 15 min
